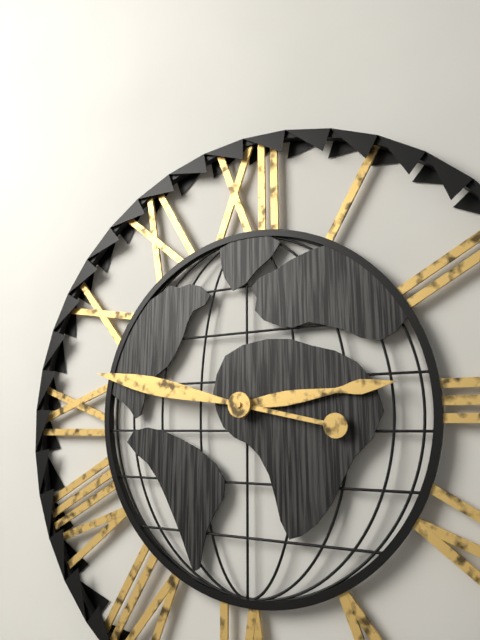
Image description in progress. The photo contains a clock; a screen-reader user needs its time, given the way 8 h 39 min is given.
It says 2 h 47 min
